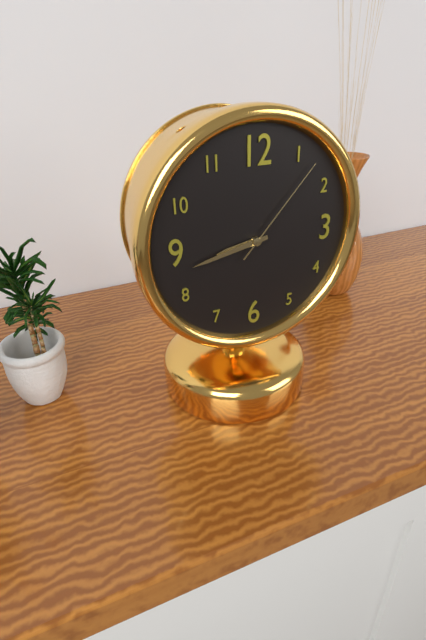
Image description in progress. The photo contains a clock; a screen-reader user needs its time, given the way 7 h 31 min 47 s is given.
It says 8 h 43 min 07 s
